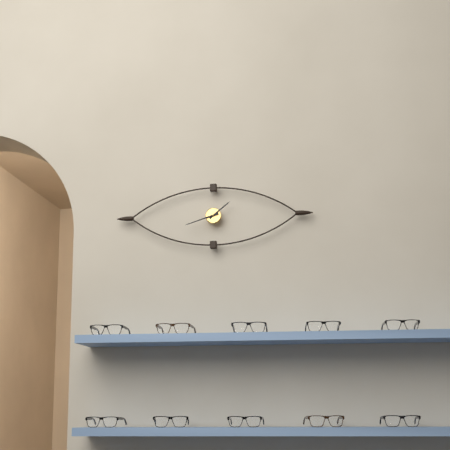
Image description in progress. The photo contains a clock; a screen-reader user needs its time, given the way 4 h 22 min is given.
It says 1 h 42 min
